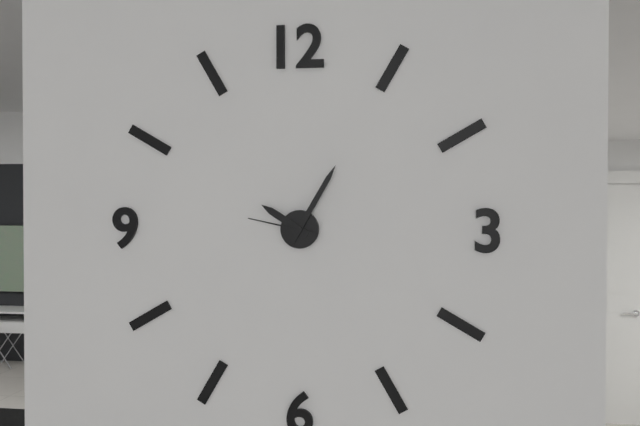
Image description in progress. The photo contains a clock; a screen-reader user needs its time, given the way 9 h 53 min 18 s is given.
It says 10 h 05 min 47 s
